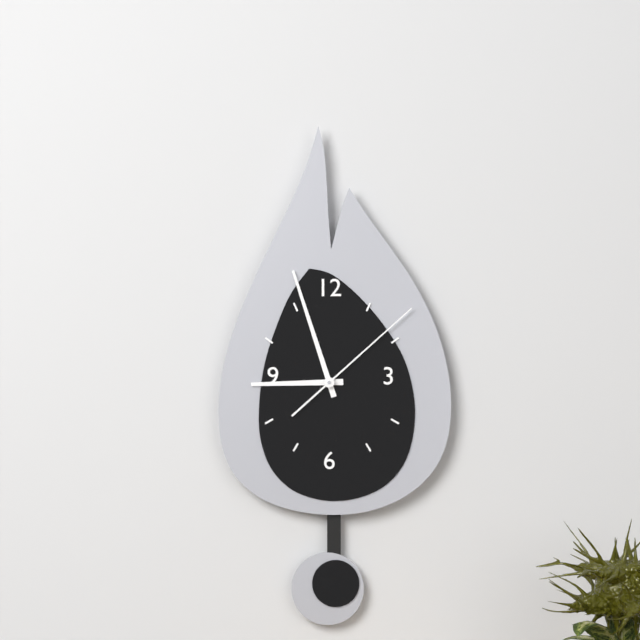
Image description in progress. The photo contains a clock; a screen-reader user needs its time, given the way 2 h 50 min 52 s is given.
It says 8 h 57 min 08 s
